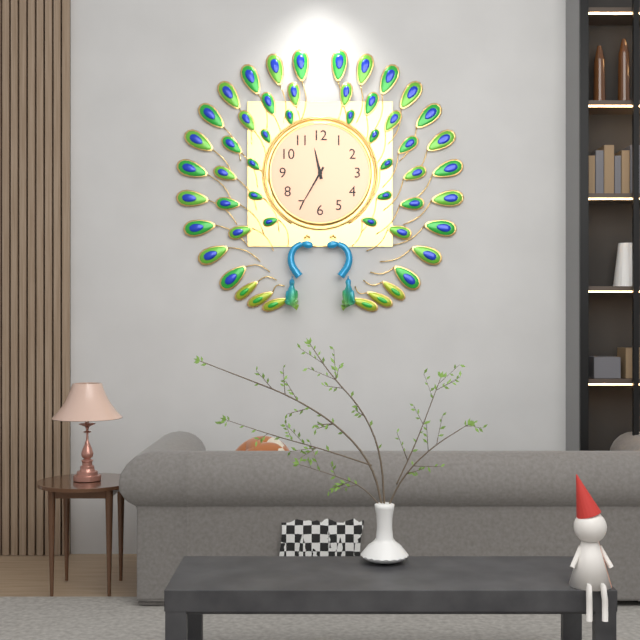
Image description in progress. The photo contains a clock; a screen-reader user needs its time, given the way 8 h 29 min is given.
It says 11 h 35 min
